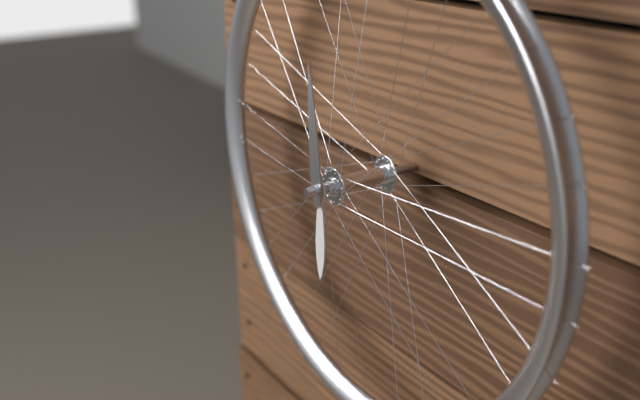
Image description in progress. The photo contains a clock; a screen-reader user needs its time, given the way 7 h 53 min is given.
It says 5 h 59 min
